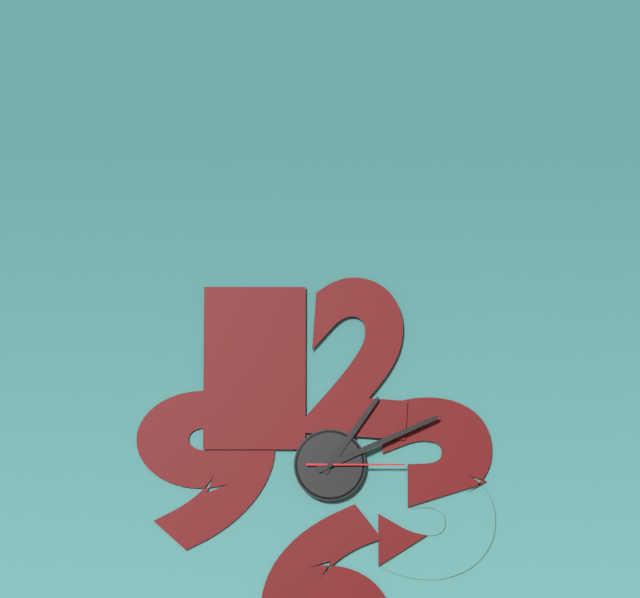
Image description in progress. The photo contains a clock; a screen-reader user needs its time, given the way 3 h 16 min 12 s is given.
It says 1 h 11 min 15 s
